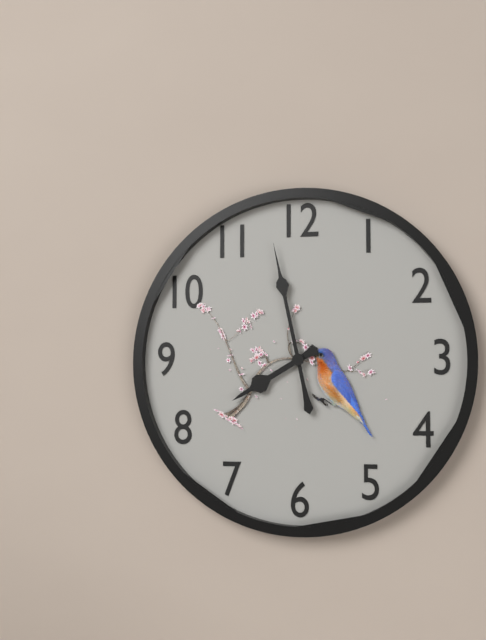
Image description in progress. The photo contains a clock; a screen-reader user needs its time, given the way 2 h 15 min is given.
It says 7 h 58 min
